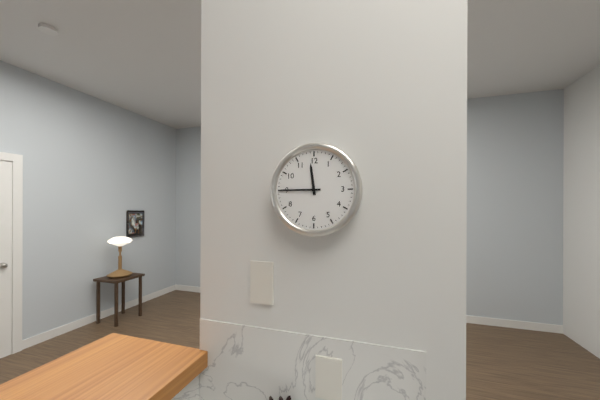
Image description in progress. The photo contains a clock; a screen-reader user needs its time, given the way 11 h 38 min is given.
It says 11 h 45 min
